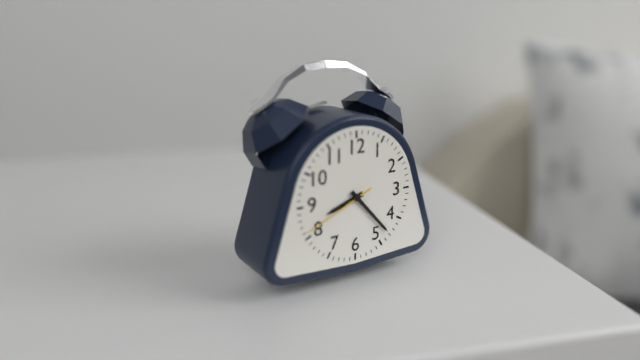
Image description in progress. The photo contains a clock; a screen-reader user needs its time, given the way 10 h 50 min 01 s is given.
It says 8 h 23 min 41 s
